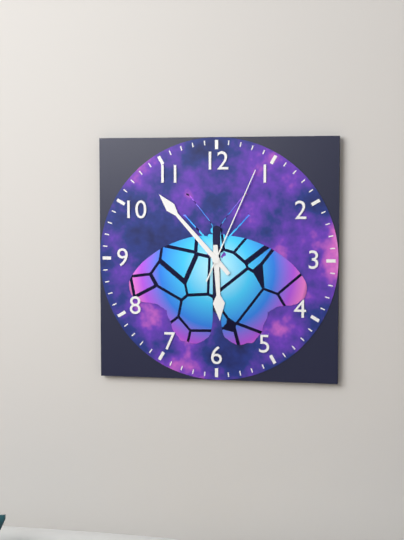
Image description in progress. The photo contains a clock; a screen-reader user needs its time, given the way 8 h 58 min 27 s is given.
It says 5 h 53 min 04 s
